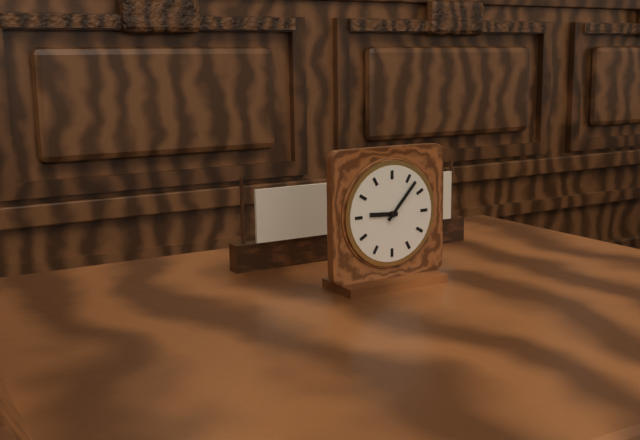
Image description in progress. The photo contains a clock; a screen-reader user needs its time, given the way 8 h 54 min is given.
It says 9 h 07 min
